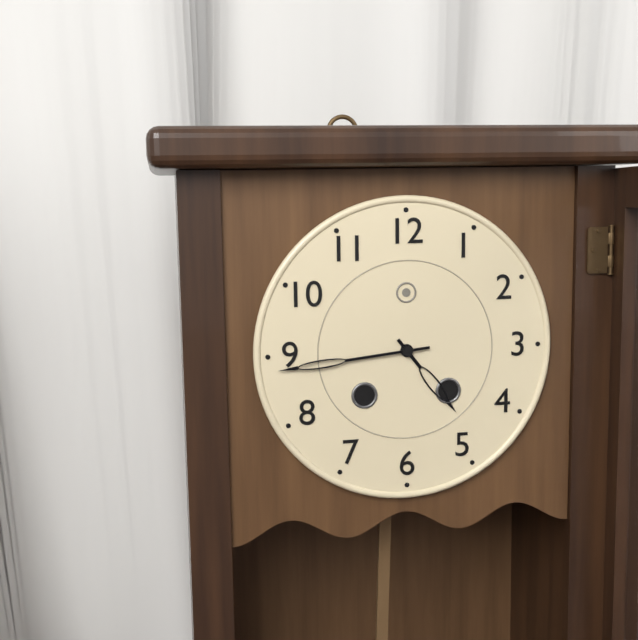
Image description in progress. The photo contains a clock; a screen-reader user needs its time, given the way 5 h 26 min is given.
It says 4 h 44 min
